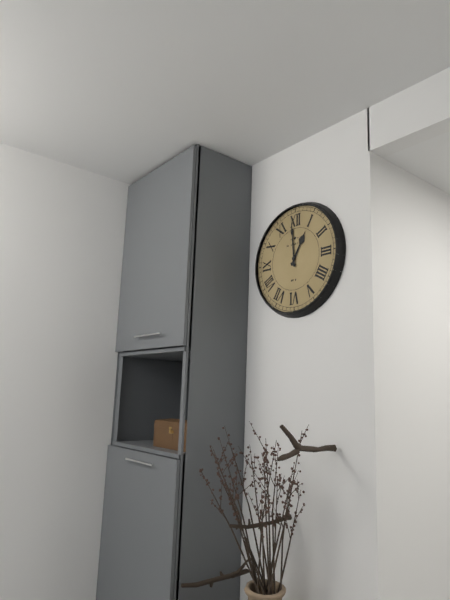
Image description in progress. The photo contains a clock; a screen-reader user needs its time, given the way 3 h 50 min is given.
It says 12 h 59 min
